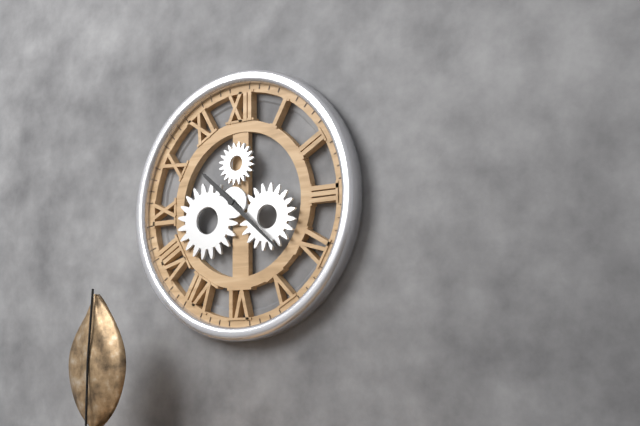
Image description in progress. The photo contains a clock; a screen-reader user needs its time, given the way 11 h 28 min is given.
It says 10 h 22 min
